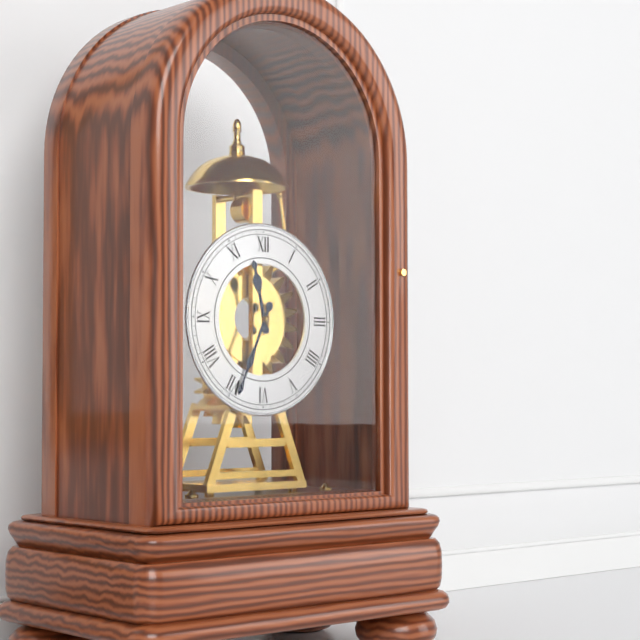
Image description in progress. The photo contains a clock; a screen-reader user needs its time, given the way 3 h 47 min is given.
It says 11 h 34 min
